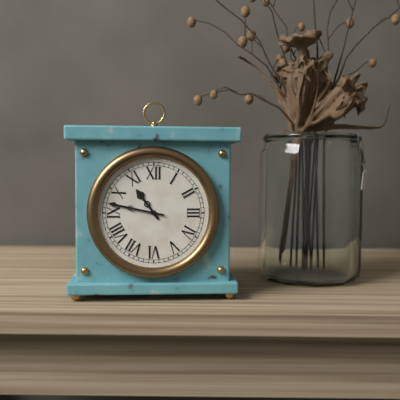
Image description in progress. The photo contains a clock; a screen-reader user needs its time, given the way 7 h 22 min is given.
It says 10 h 47 min
